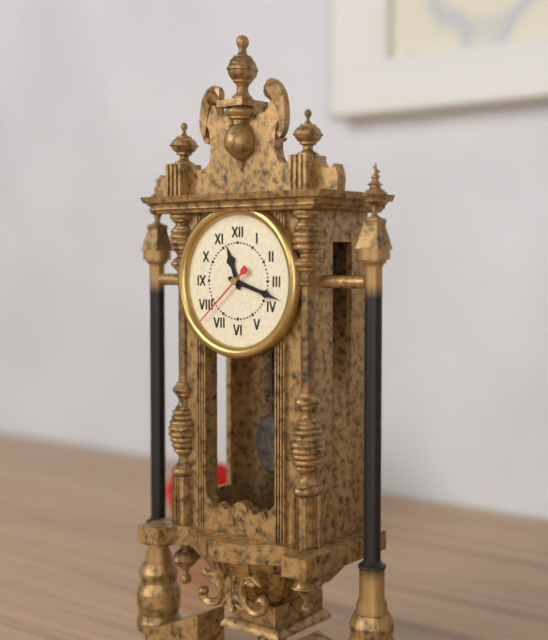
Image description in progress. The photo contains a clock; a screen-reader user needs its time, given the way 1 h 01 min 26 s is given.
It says 11 h 18 min 38 s
